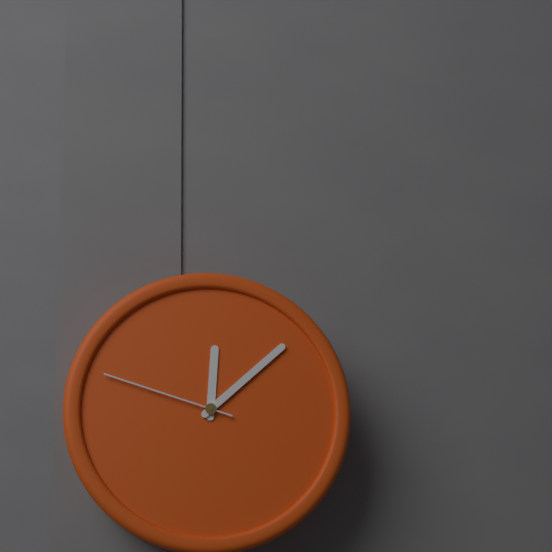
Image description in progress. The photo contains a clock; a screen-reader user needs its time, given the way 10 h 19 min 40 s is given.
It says 12 h 08 min 48 s
